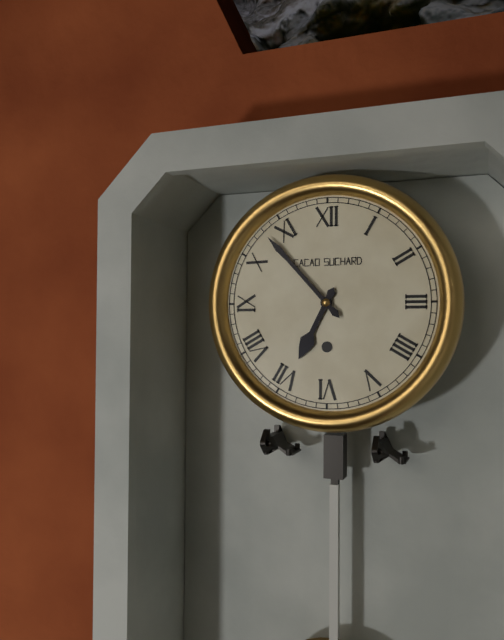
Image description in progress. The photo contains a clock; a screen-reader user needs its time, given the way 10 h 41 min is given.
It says 6 h 53 min
